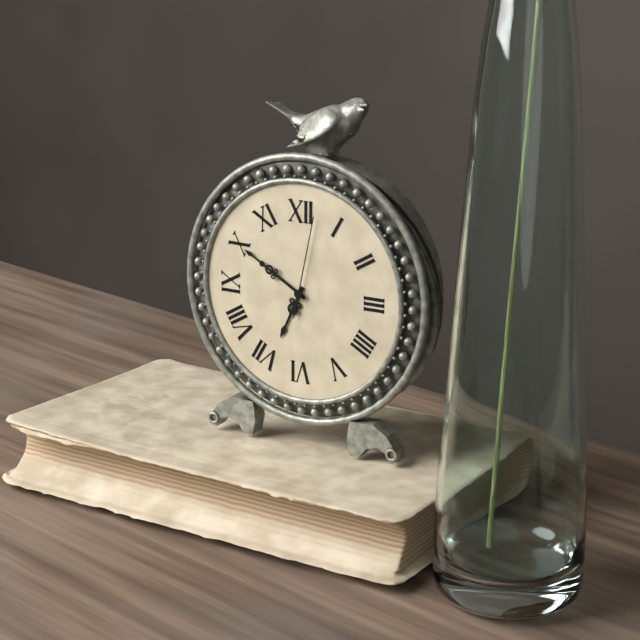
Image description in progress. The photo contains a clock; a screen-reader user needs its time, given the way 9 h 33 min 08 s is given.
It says 6 h 50 min 02 s
